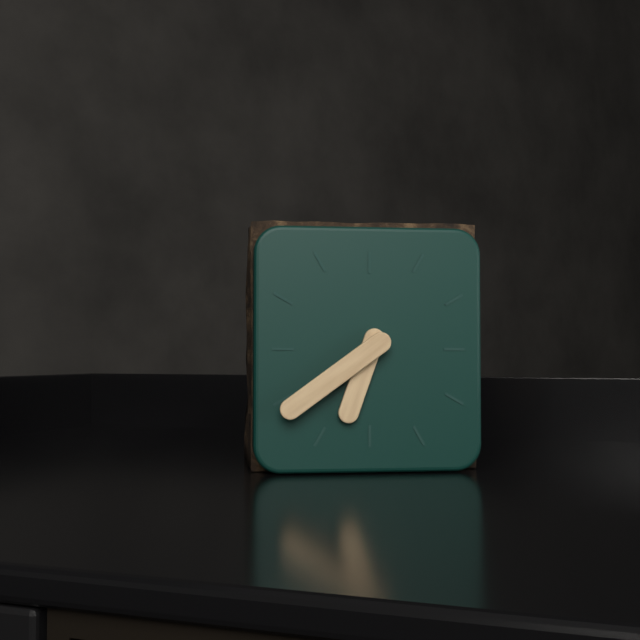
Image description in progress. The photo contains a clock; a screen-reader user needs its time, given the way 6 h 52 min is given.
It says 6 h 39 min
